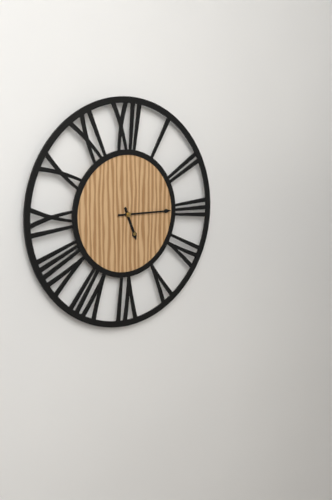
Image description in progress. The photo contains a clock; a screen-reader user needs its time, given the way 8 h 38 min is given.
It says 5 h 15 min
